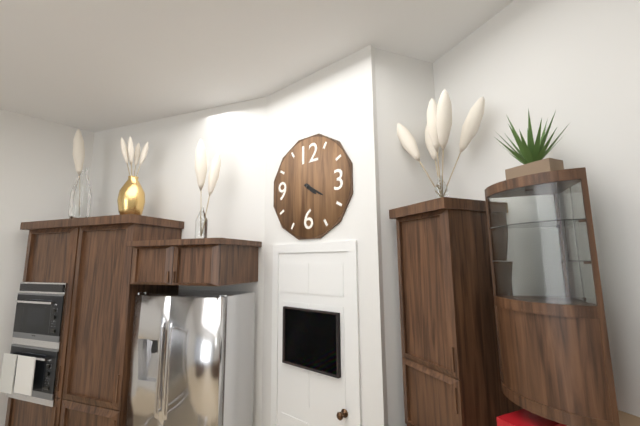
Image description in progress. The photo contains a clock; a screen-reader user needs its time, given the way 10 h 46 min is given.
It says 4 h 20 min
